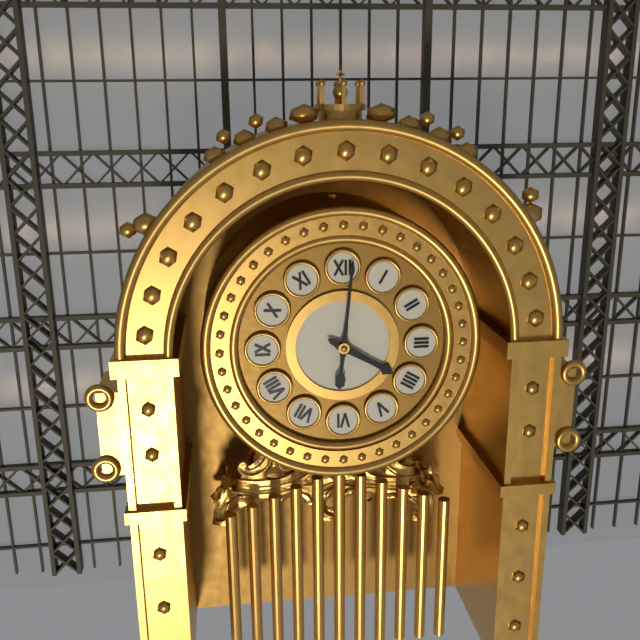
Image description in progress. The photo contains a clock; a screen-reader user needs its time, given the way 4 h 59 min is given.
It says 4 h 01 min
